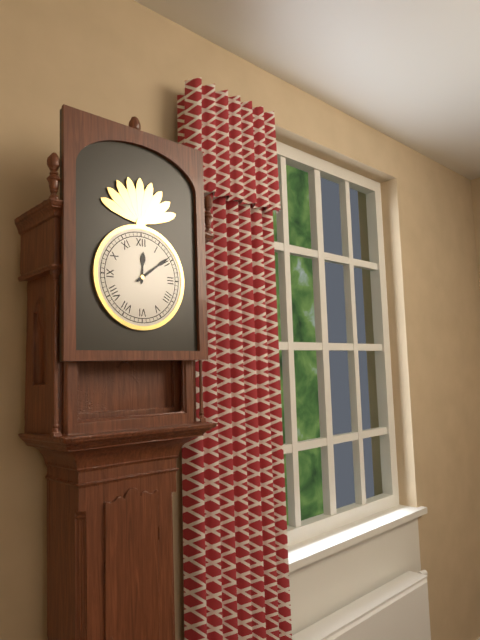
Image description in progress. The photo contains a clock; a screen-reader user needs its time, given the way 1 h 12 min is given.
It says 12 h 09 min
